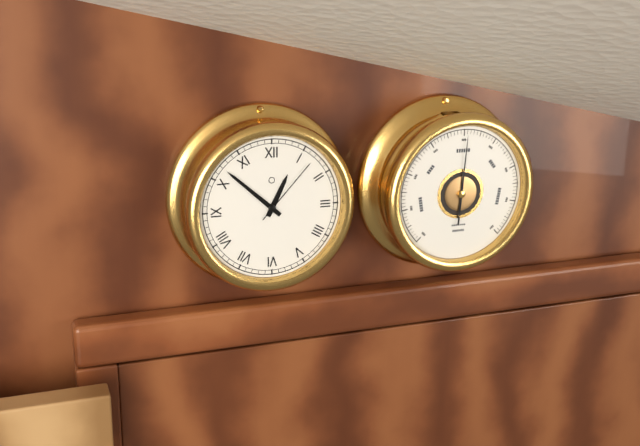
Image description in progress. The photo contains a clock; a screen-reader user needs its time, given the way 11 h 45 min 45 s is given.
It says 12 h 52 min 07 s
